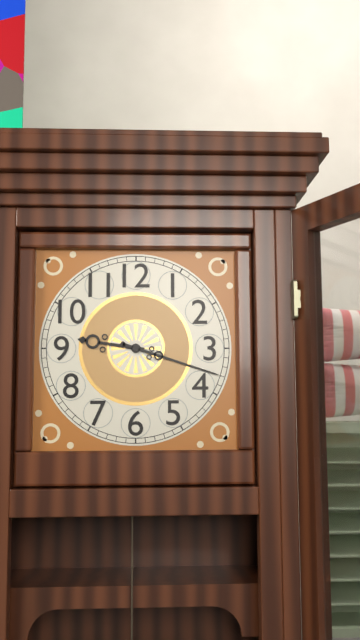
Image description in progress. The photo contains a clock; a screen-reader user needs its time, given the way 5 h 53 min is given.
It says 9 h 18 min
